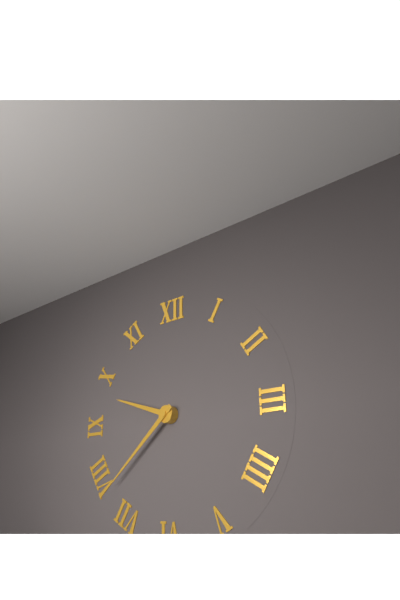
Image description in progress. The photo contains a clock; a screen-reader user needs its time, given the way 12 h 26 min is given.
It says 9 h 38 min
